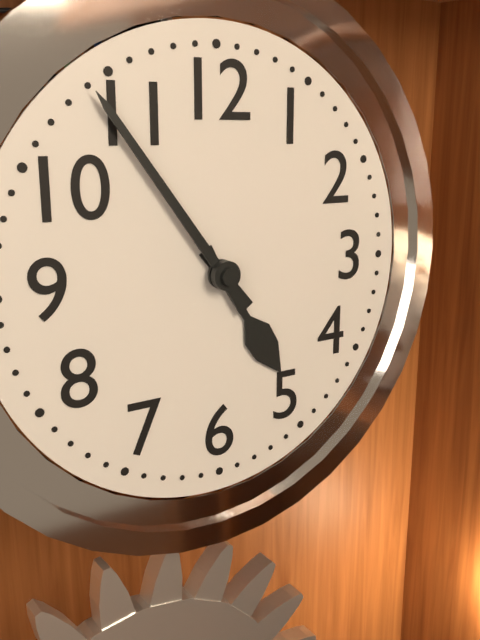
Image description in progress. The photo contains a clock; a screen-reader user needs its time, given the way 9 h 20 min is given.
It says 4 h 54 min
